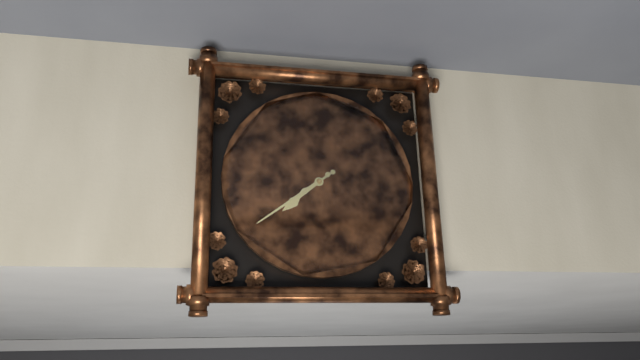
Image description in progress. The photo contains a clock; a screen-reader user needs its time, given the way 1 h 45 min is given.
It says 7 h 39 min
